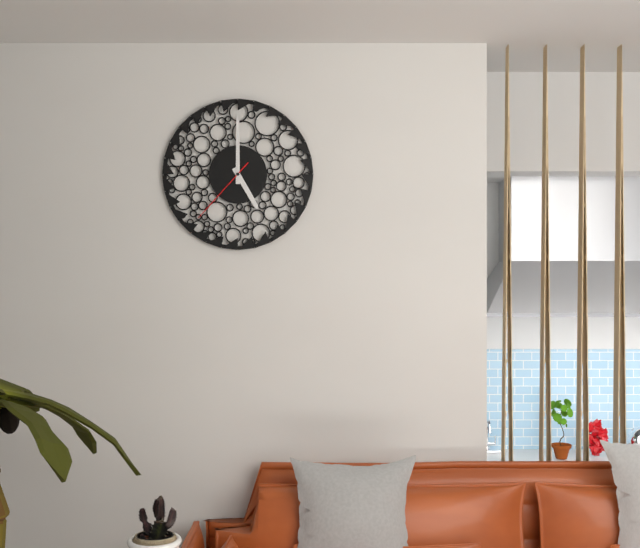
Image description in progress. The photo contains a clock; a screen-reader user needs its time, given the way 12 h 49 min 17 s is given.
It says 5 h 00 min 37 s
